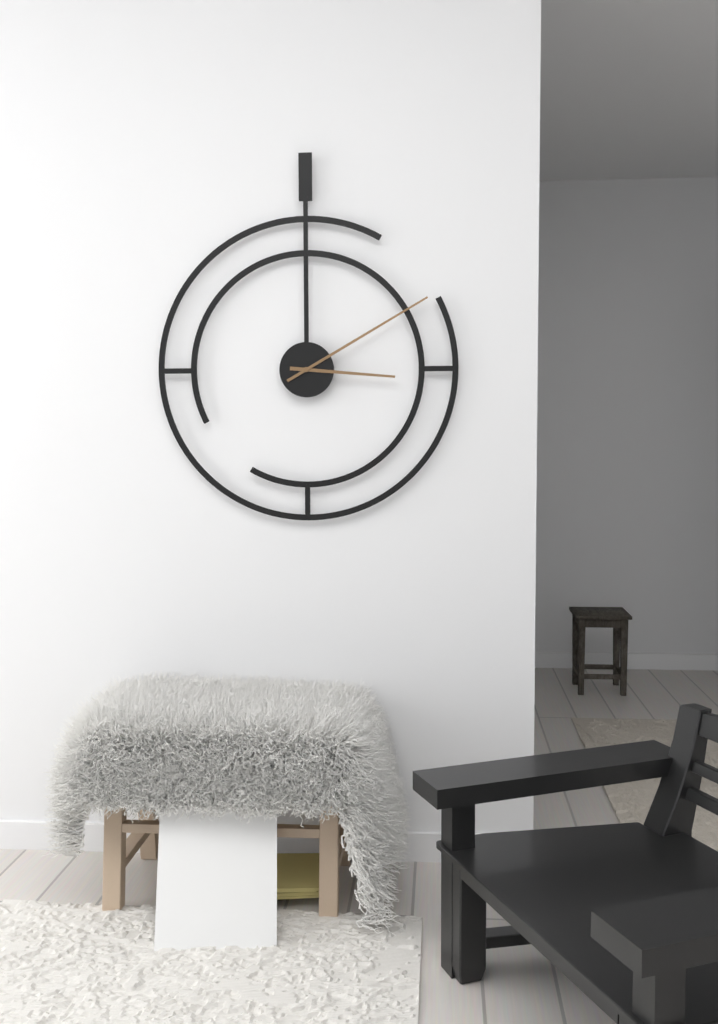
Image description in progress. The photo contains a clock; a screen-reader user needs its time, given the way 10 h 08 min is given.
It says 3 h 10 min
